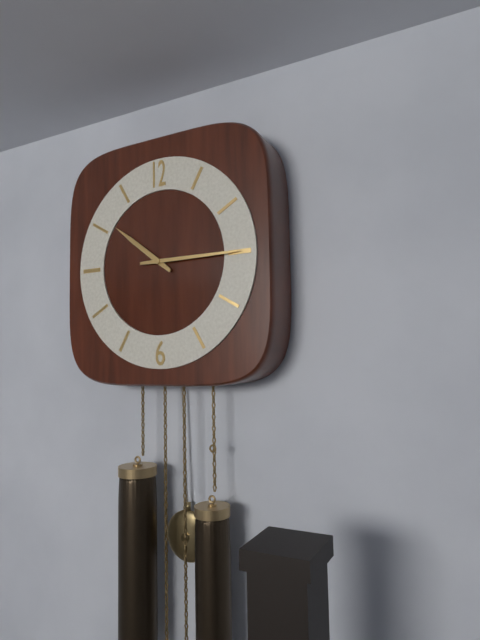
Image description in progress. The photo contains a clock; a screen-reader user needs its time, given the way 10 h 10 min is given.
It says 10 h 15 min
